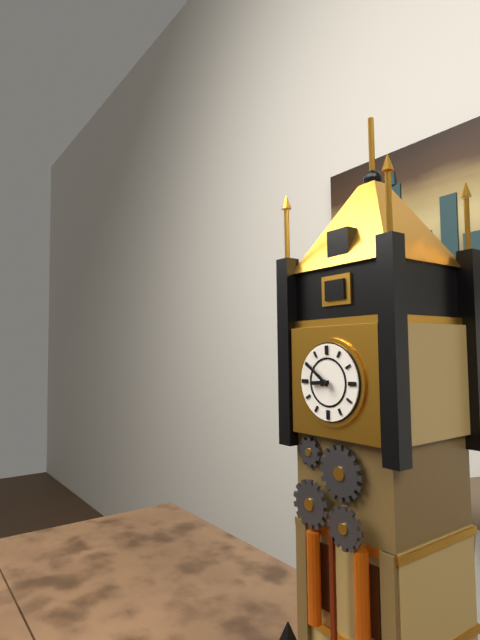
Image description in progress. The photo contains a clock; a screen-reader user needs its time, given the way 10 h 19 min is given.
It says 8 h 51 min
